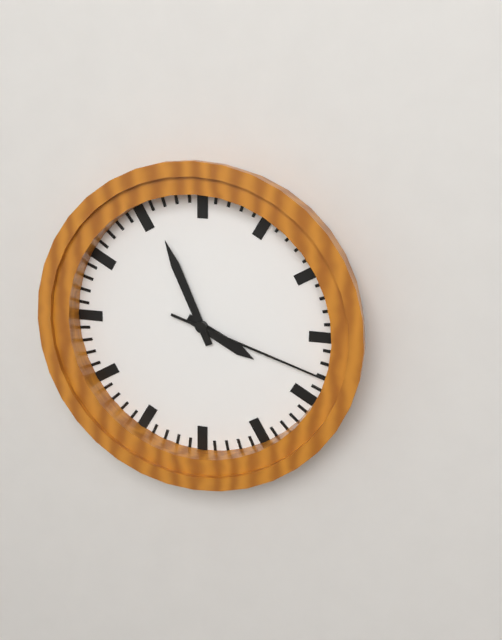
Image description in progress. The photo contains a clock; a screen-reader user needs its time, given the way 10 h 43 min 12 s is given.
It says 3 h 56 min 18 s
